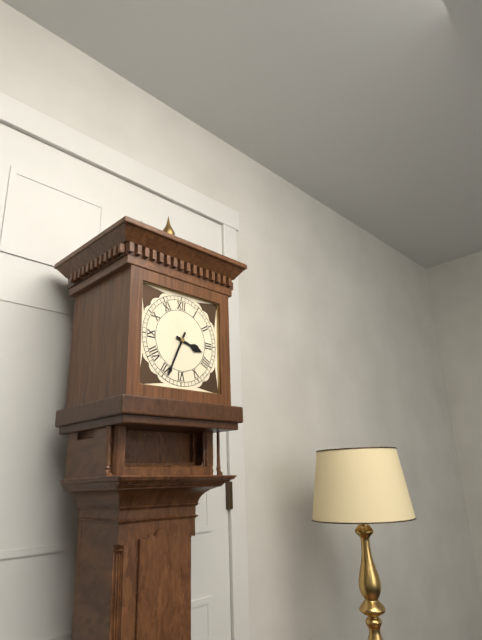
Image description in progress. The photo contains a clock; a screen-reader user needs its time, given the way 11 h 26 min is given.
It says 3 h 34 min
